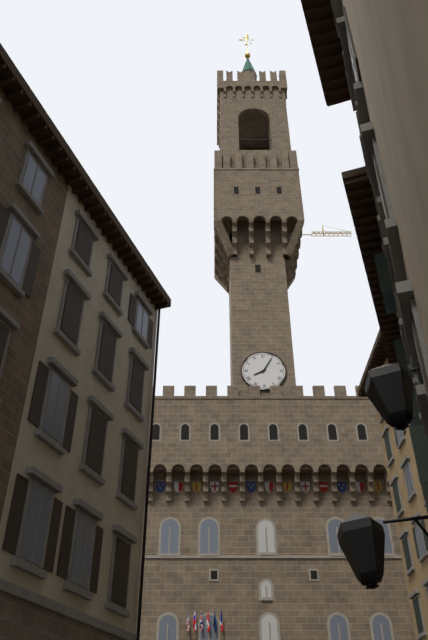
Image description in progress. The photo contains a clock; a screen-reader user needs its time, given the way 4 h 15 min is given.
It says 8 h 05 min
